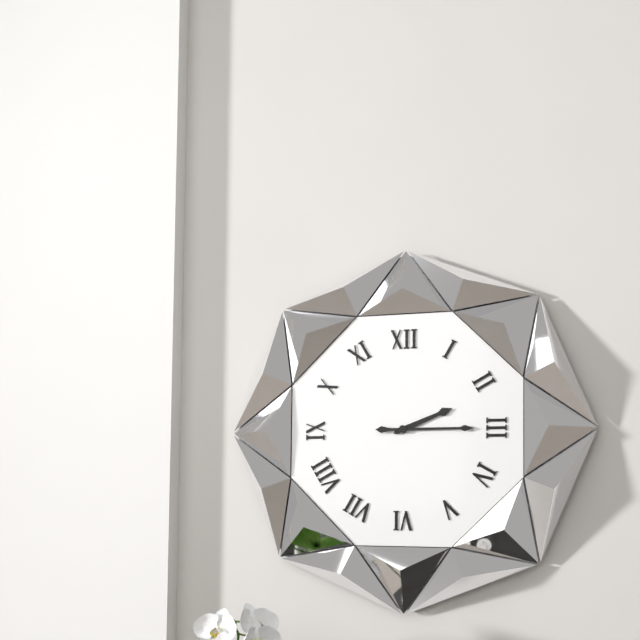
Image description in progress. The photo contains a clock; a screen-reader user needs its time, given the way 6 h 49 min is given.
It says 2 h 15 min
